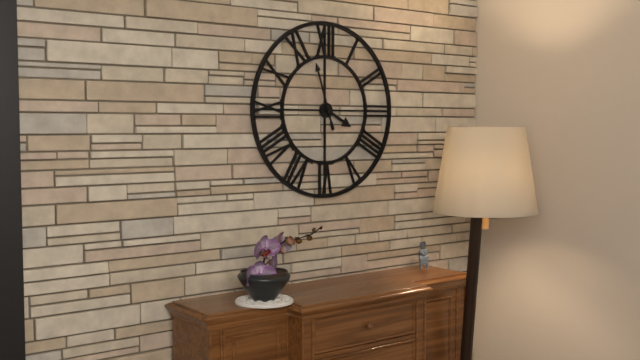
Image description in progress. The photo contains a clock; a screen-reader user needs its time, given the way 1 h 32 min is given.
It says 3 h 57 min
